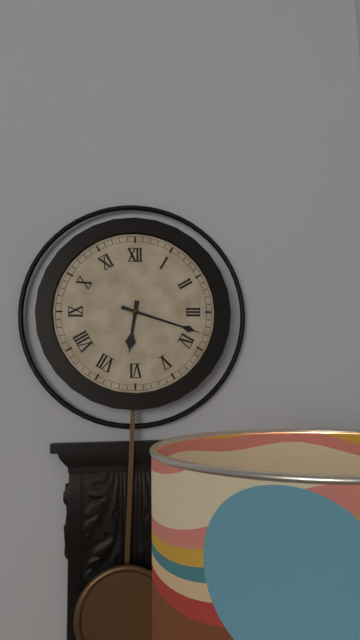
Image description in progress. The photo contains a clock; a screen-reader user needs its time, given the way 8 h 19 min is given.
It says 6 h 18 min
